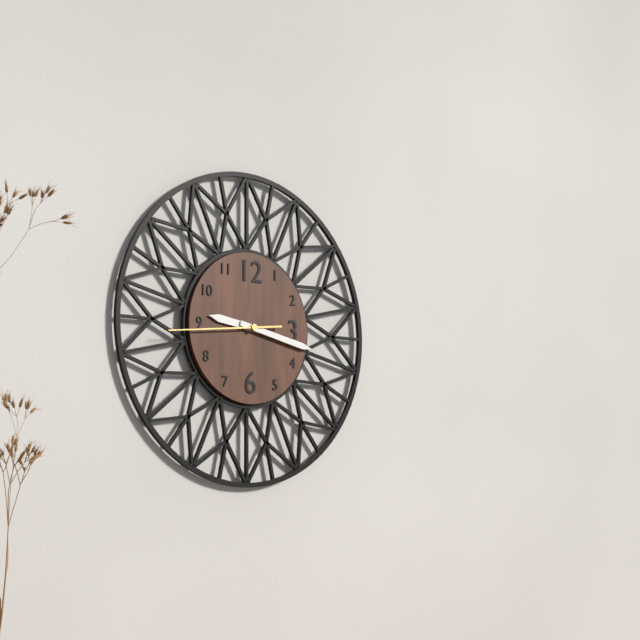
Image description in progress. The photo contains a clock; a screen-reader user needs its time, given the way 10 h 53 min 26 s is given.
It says 9 h 17 min 44 s
